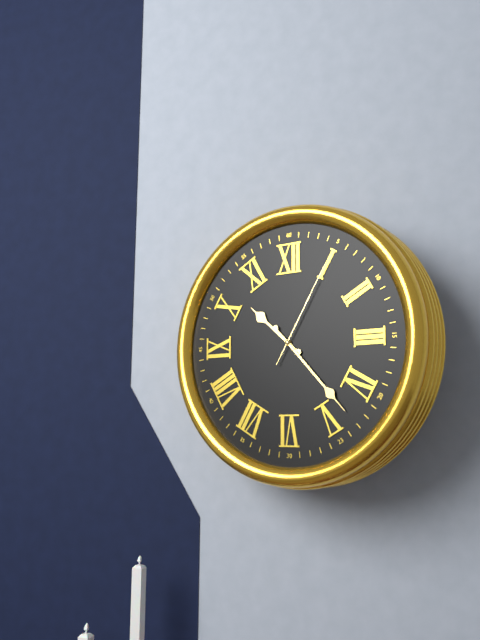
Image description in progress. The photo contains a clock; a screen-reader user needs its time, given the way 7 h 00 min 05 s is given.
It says 10 h 23 min 05 s
